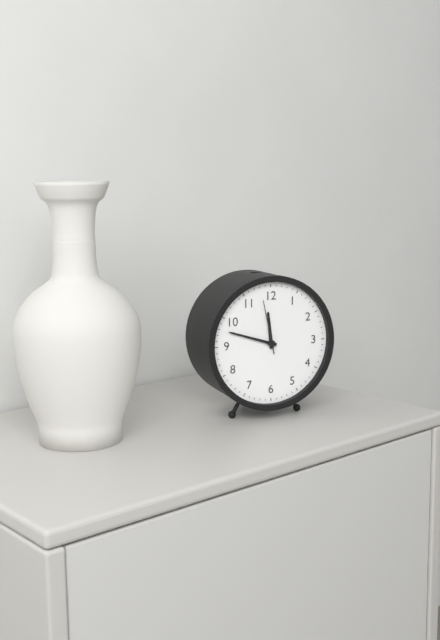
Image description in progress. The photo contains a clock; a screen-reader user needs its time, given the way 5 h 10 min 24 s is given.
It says 11 h 48 min 58 s
